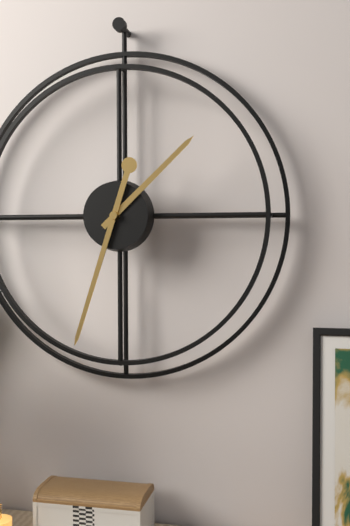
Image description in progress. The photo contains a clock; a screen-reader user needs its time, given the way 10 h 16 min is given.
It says 1 h 33 min
